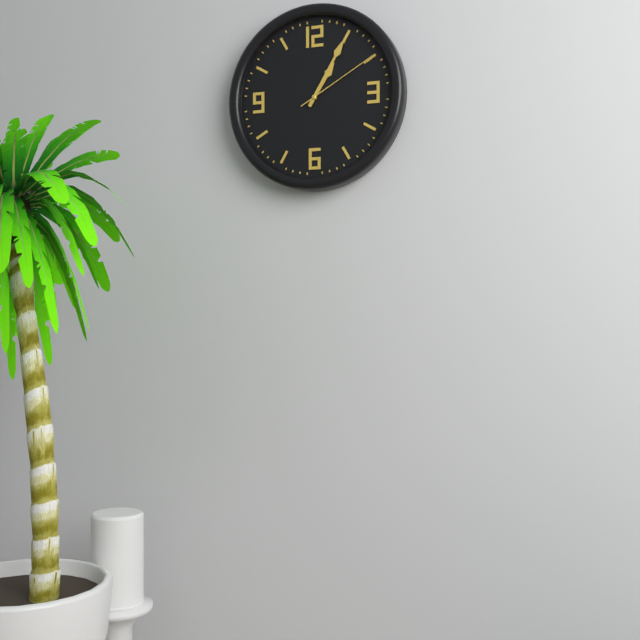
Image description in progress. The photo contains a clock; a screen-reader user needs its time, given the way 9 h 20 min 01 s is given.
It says 1 h 05 min 10 s
